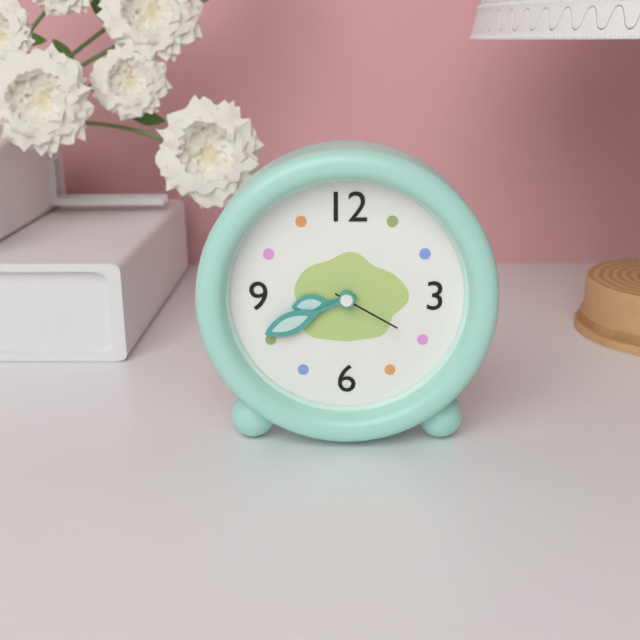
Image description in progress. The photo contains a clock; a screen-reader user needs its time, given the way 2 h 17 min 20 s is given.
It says 8 h 41 min 20 s
